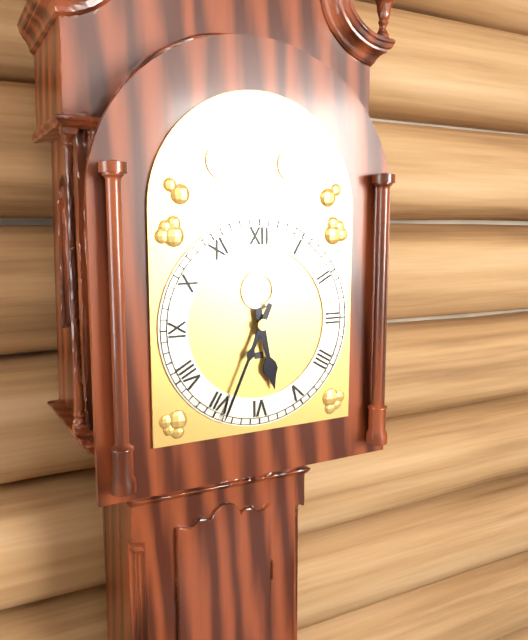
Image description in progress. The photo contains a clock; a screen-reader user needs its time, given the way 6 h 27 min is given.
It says 5 h 34 min
